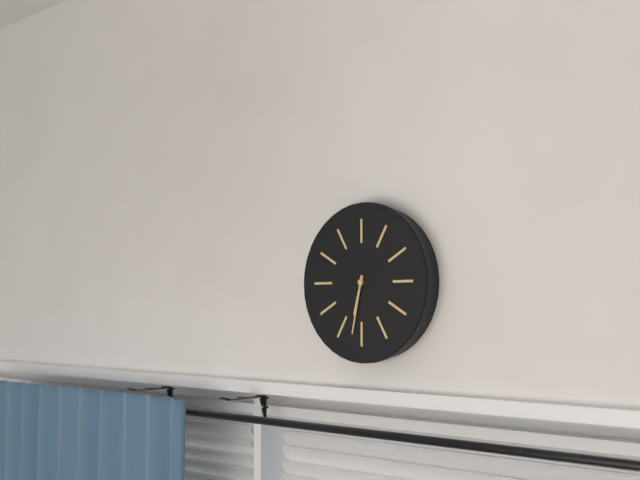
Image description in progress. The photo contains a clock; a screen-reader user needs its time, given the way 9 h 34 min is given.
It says 6 h 32 min
